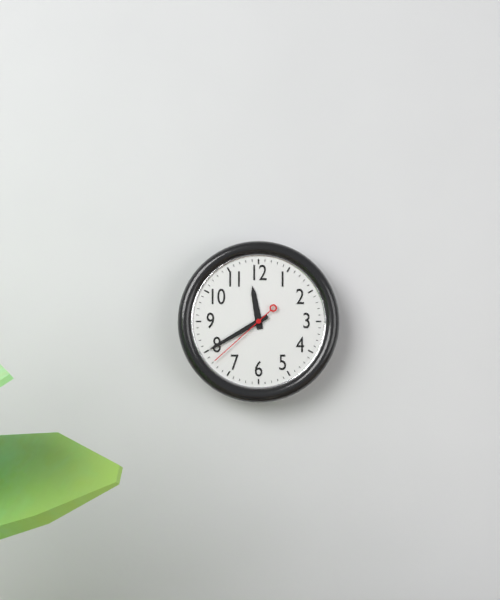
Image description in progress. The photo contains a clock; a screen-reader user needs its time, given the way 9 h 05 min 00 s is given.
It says 11 h 40 min 38 s
